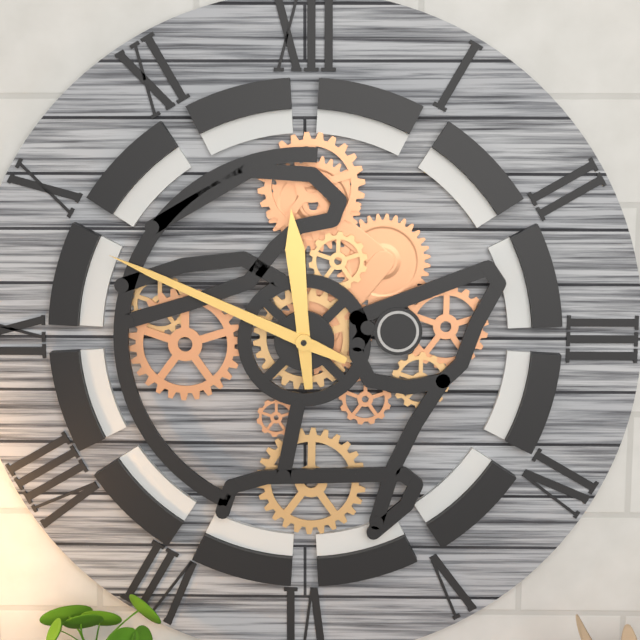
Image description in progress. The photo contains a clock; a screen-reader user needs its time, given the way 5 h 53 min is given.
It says 11 h 49 min
